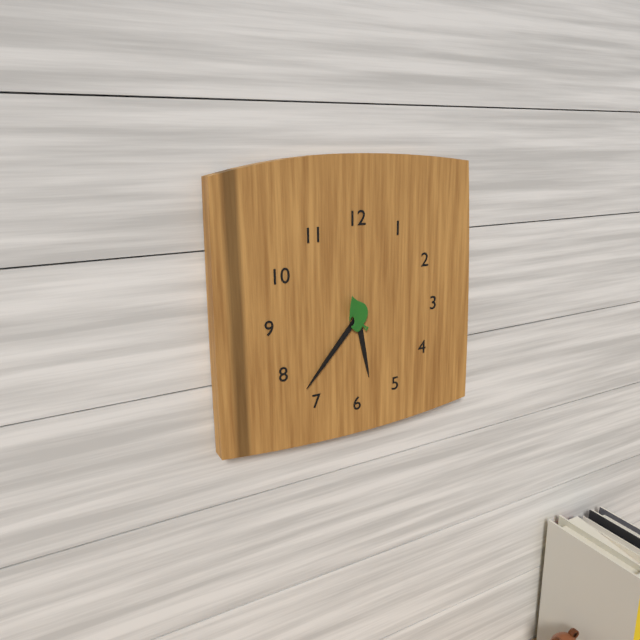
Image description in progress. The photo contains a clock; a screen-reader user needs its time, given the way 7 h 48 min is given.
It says 5 h 37 min
